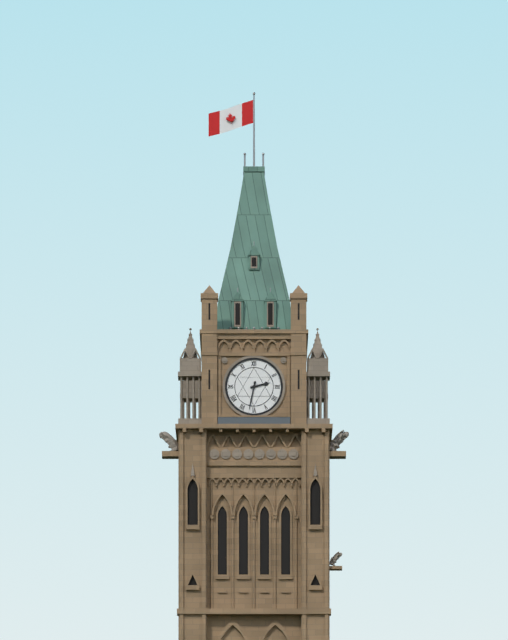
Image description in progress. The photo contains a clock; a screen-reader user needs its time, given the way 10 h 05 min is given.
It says 2 h 32 min
